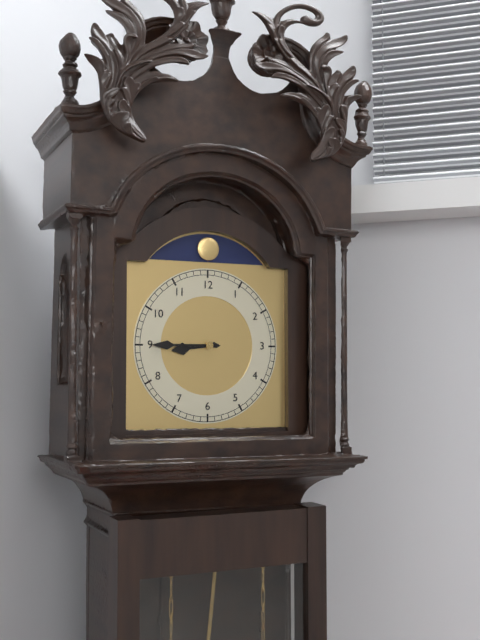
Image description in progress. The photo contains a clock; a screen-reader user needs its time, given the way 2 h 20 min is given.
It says 8 h 45 min
